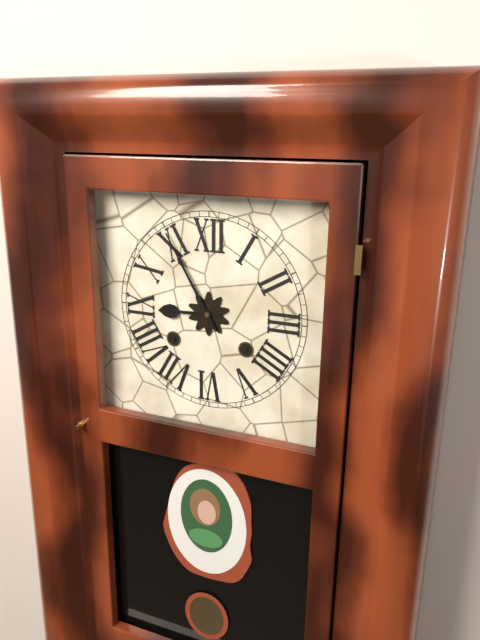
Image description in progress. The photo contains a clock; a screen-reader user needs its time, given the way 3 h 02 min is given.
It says 8 h 55 min
